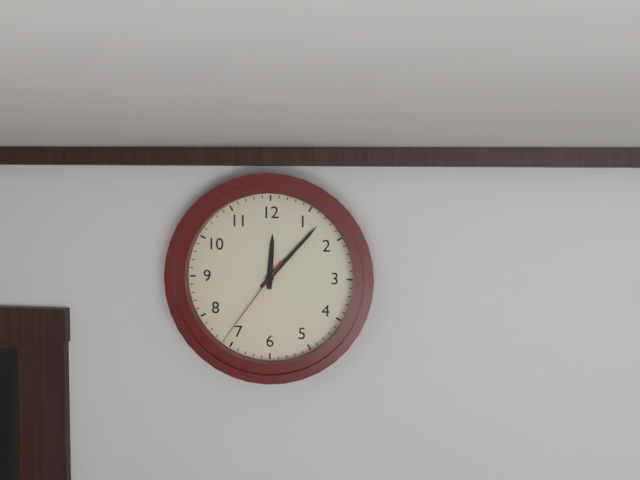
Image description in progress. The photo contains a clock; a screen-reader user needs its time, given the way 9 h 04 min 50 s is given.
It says 12 h 07 min 36 s
